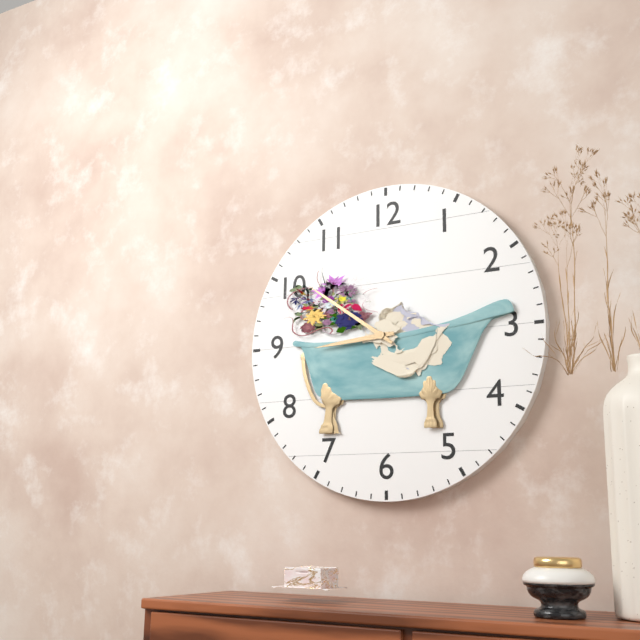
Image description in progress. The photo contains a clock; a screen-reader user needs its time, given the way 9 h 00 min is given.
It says 8 h 51 min
